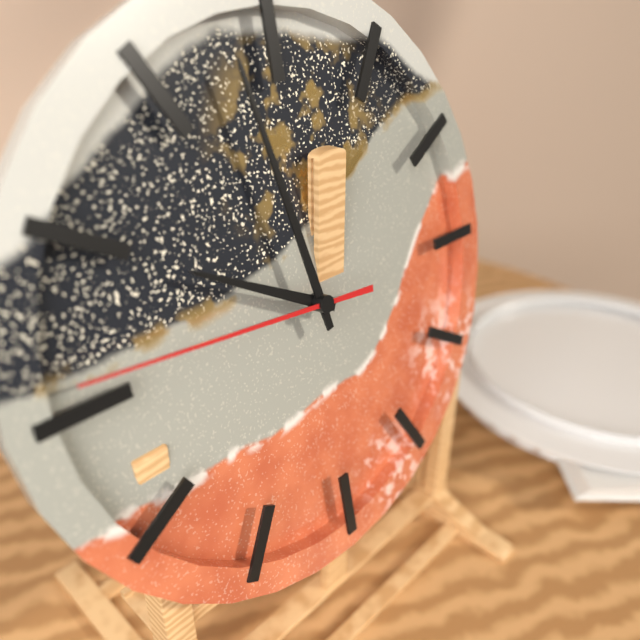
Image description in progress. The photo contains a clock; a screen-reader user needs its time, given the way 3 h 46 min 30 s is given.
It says 9 h 58 min 46 s
